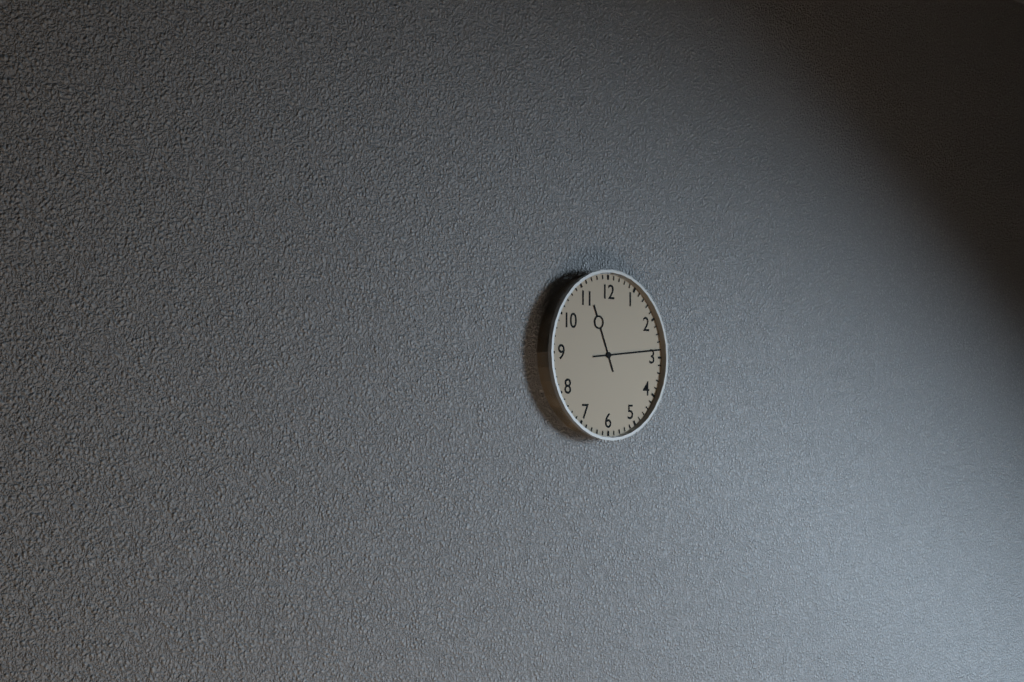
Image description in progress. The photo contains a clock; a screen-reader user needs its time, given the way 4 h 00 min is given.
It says 11 h 14 min
